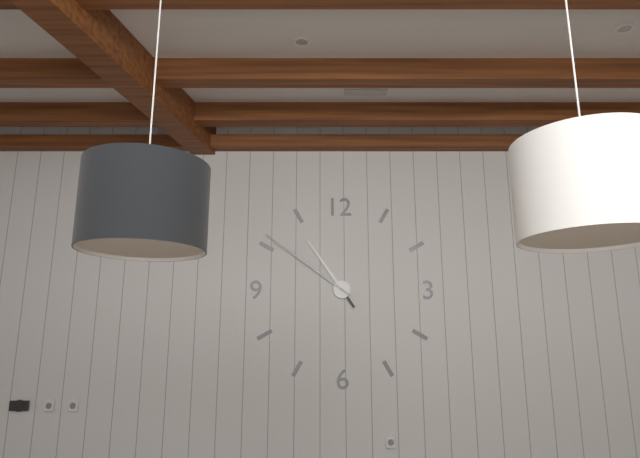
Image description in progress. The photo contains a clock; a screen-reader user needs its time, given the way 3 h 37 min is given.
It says 10 h 51 min
